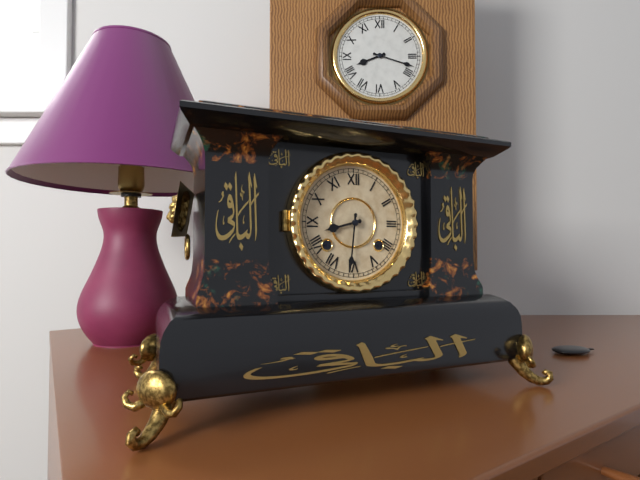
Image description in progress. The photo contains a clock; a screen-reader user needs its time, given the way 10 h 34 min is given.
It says 8 h 31 min
